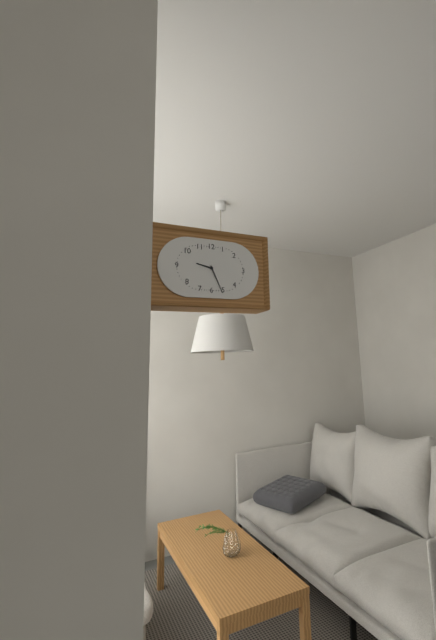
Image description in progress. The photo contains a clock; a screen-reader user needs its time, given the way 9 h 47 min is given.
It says 9 h 26 min
